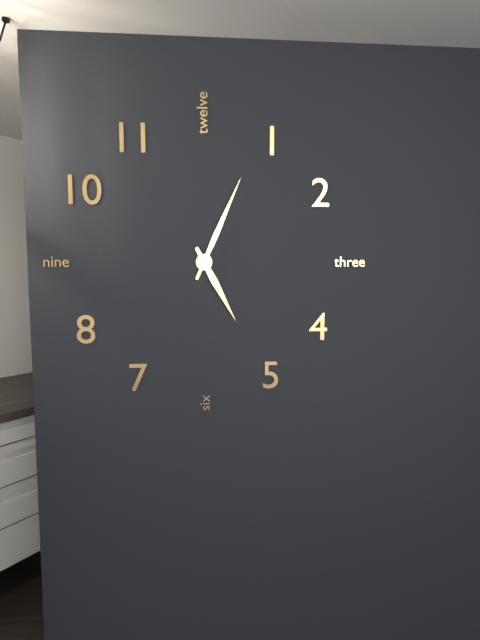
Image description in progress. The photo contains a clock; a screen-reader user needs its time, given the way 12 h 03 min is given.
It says 5 h 04 min
